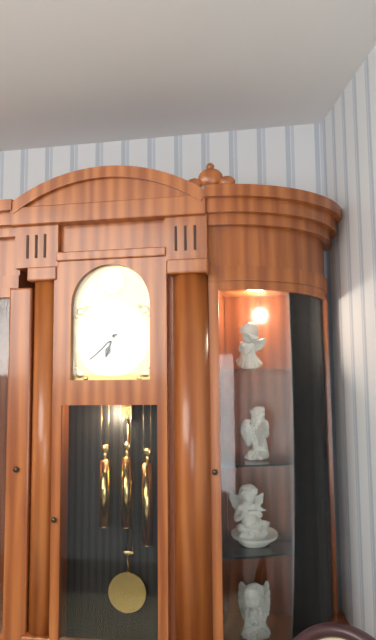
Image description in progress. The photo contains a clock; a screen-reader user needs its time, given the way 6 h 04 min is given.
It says 6 h 38 min
